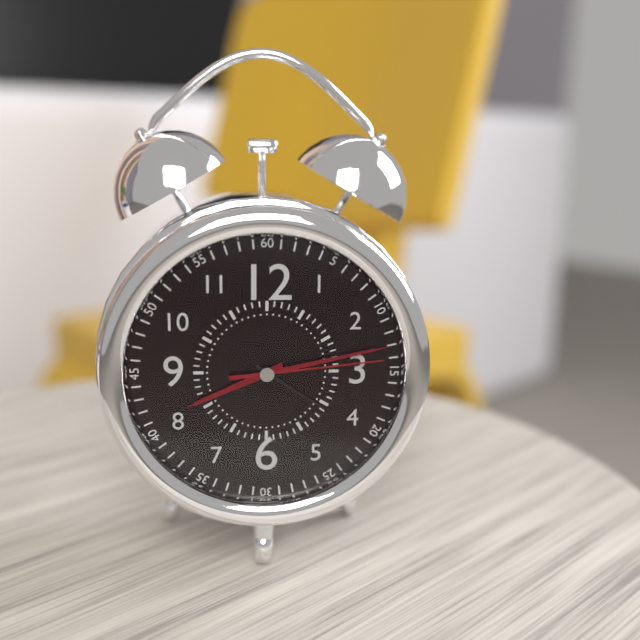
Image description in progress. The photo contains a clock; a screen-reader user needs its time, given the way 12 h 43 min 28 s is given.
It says 8 h 13 min 14 s
